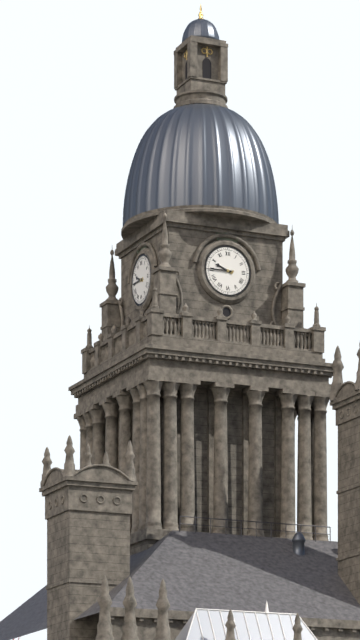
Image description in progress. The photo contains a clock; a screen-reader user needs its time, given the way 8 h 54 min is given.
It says 9 h 45 min
